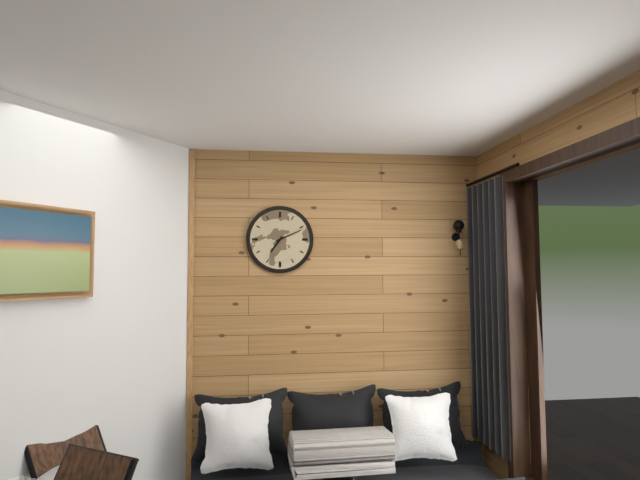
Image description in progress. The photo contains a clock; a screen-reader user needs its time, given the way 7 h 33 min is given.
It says 7 h 11 min
